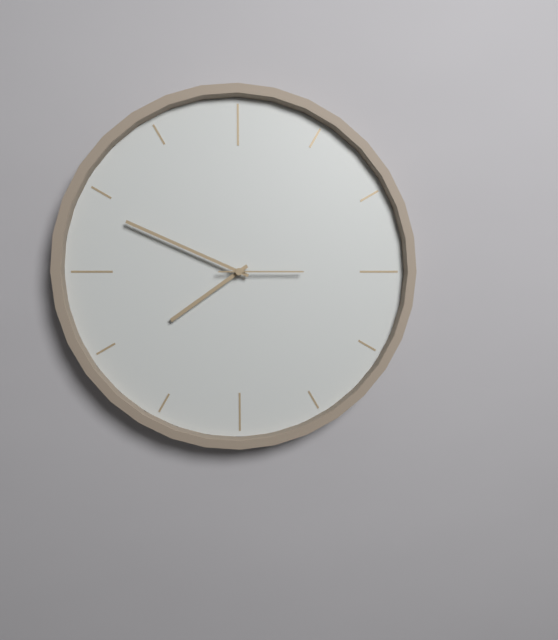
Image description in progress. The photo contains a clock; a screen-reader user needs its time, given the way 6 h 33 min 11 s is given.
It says 7 h 49 min 15 s
